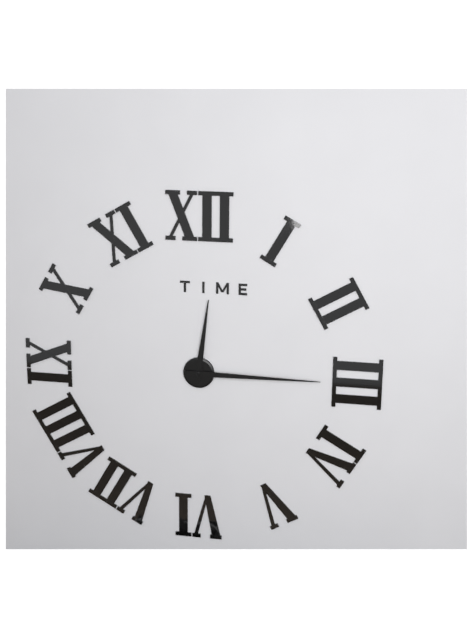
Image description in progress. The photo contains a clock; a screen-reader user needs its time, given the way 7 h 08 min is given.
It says 12 h 15 min
